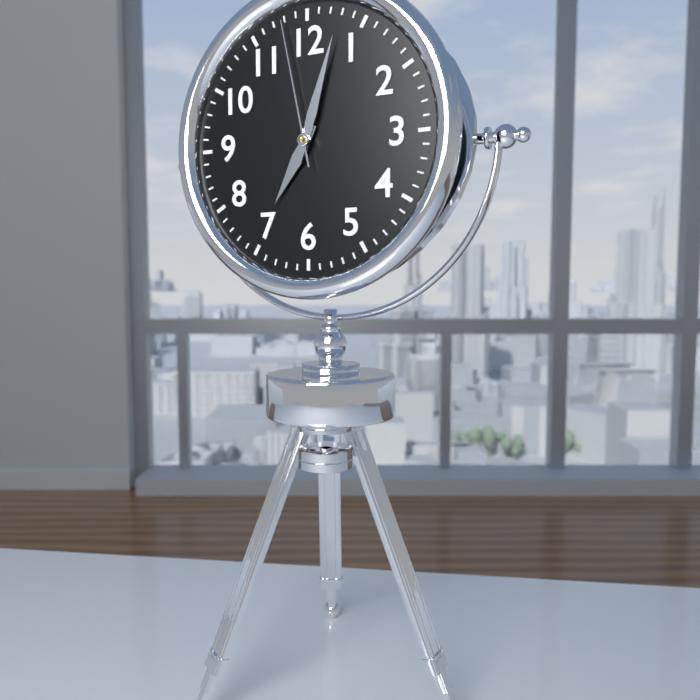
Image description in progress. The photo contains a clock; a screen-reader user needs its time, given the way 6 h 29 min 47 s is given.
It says 7 h 03 min 58 s
